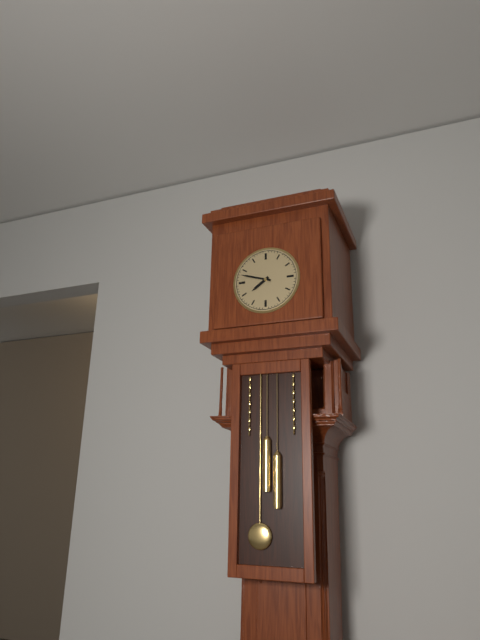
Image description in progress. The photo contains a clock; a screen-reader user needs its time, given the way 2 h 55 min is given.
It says 7 h 48 min
